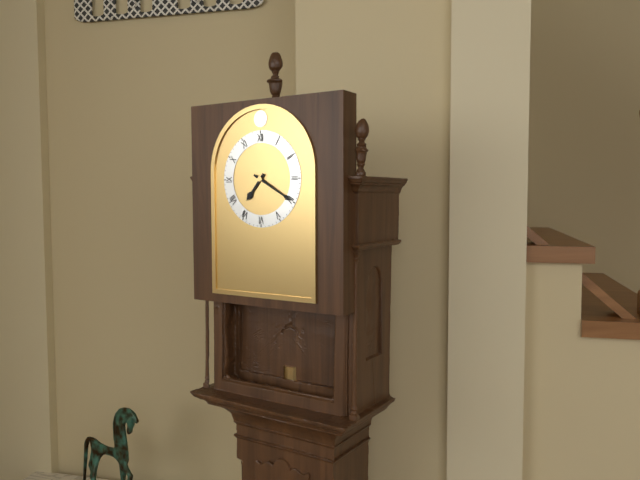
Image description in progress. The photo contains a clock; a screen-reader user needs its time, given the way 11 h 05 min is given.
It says 7 h 20 min
